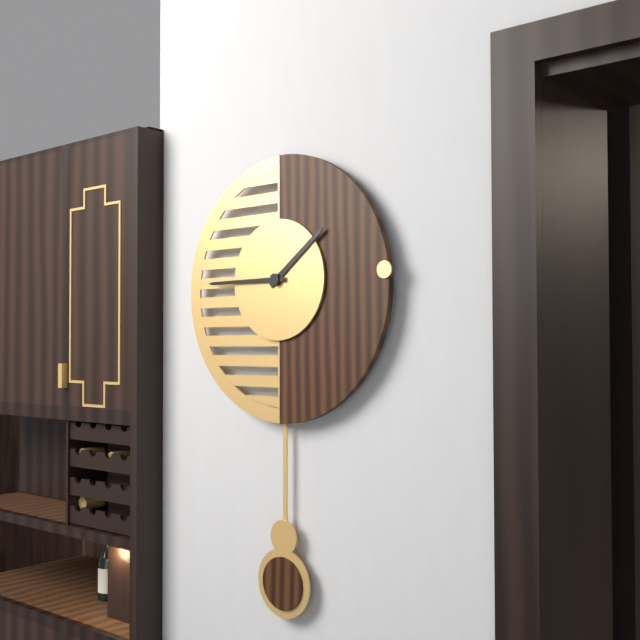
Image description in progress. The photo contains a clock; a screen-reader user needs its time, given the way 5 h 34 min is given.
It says 1 h 45 min
